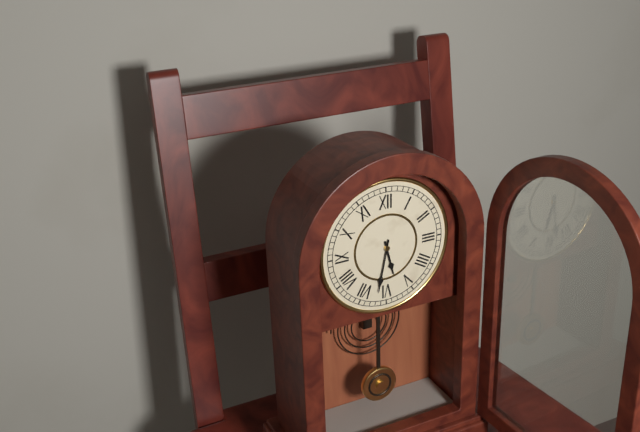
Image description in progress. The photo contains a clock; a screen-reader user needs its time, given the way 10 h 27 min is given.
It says 5 h 32 min
